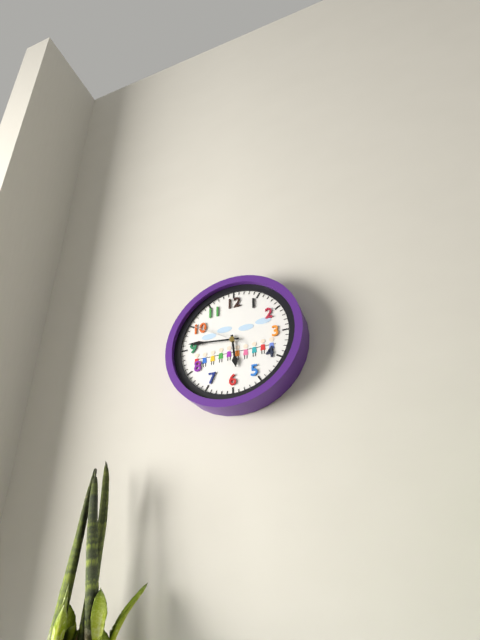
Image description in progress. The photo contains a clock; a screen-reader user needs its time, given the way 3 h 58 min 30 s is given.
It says 5 h 46 min 50 s
